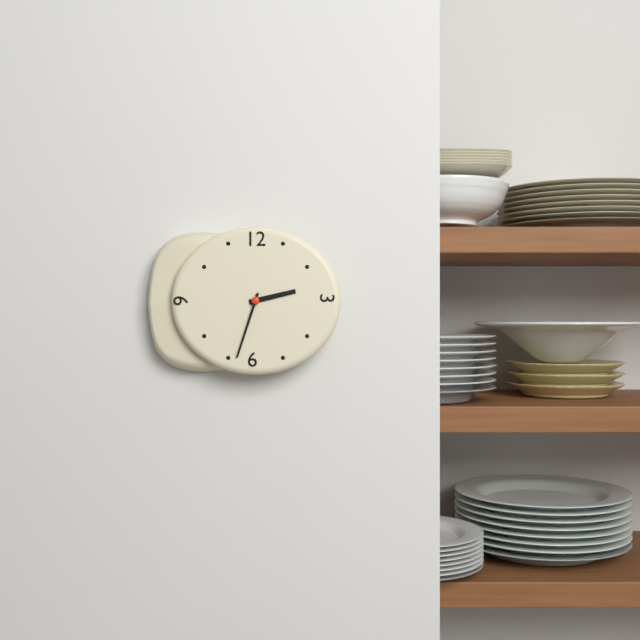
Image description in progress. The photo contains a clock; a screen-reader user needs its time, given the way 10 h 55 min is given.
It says 2 h 33 min
